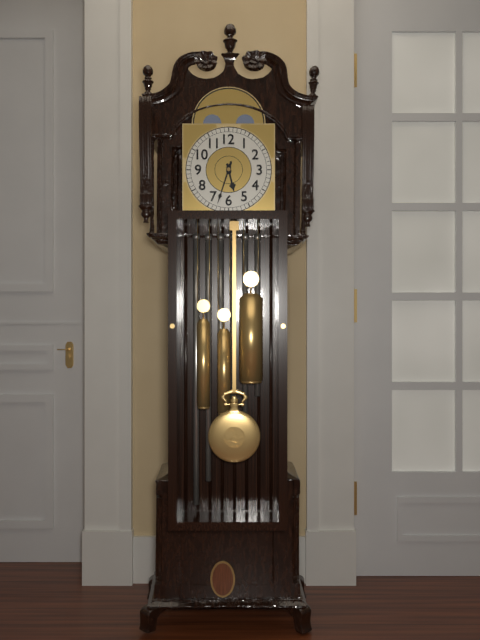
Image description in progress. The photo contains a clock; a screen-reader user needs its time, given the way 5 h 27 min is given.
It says 5 h 33 min
